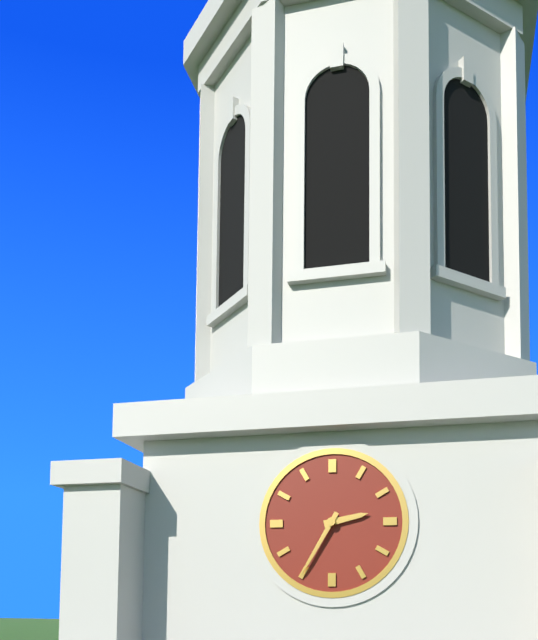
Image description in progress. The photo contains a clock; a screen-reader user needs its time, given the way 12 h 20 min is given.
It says 2 h 35 min
